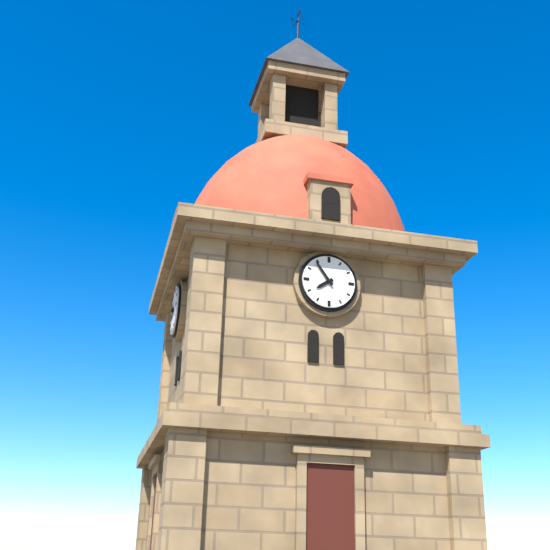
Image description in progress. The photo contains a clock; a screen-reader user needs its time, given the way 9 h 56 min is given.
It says 7 h 54 min
